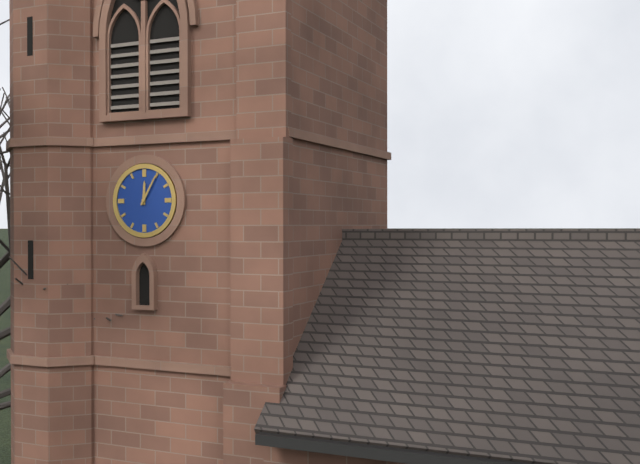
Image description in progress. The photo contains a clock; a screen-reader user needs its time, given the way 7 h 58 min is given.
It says 12 h 05 min
